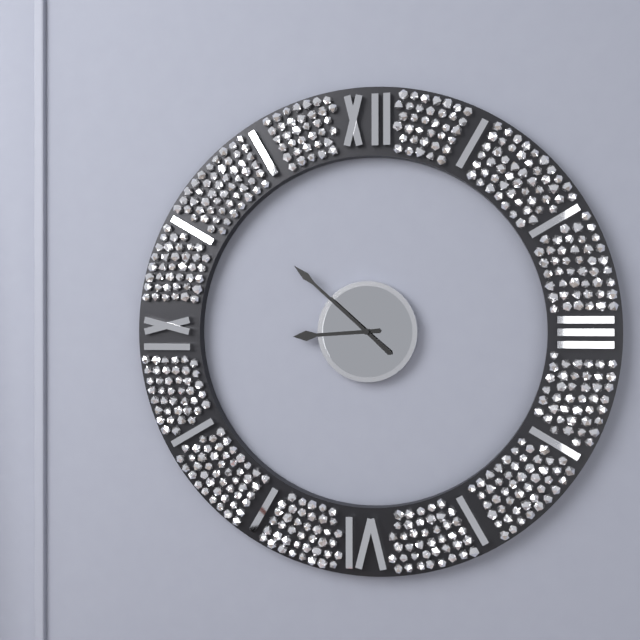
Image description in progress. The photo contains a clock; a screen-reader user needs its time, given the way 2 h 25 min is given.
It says 8 h 52 min
